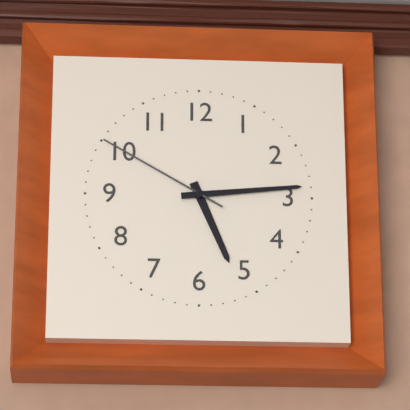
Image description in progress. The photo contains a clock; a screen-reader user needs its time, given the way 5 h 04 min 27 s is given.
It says 5 h 14 min 50 s
